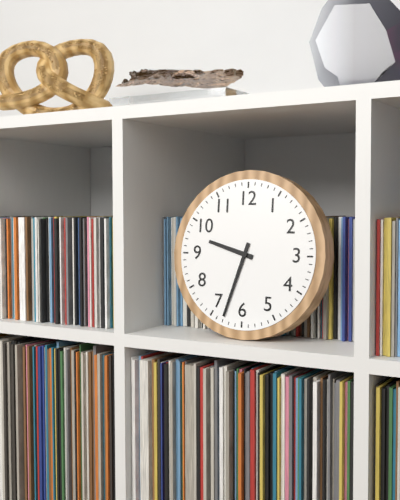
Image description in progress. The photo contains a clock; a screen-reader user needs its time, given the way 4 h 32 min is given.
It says 9 h 33 min
